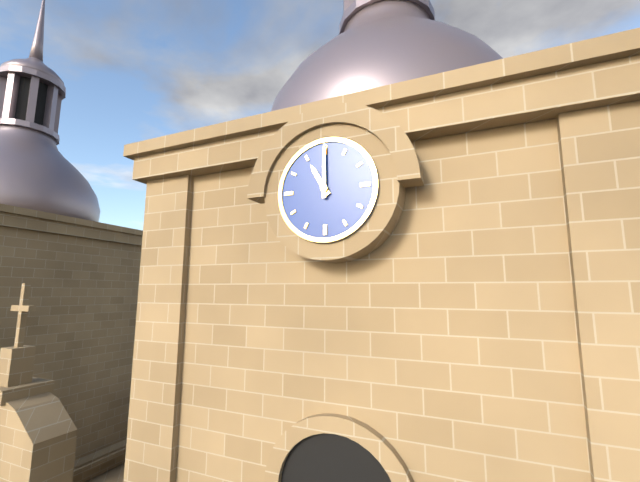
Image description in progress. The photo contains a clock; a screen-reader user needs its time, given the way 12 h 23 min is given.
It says 11 h 00 min
